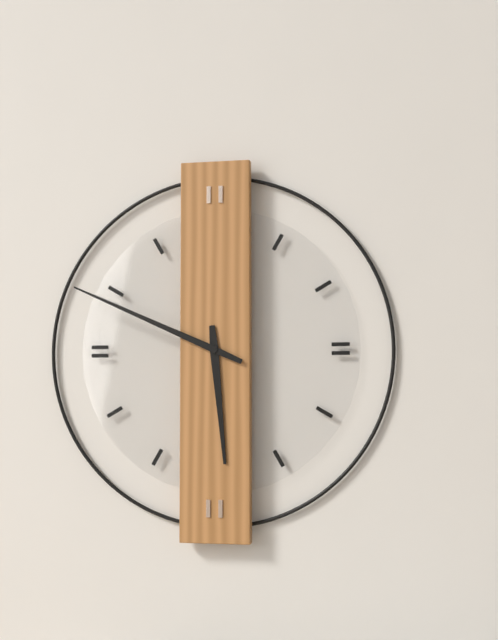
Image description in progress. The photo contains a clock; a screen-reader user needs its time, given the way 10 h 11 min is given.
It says 5 h 49 min
